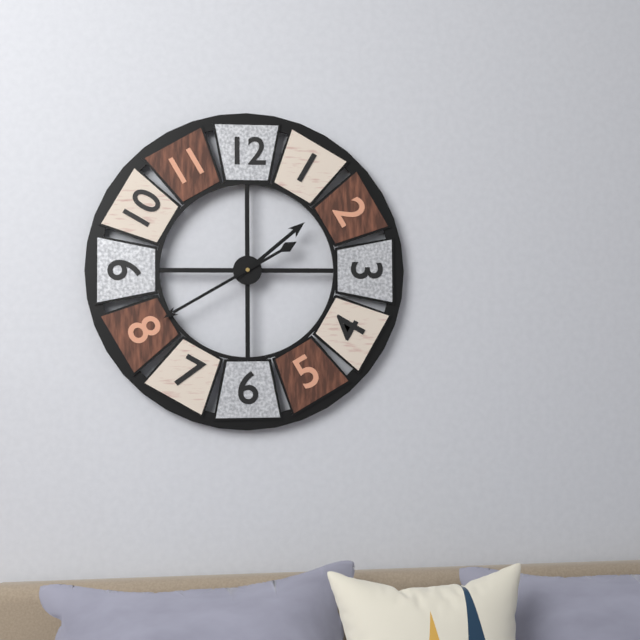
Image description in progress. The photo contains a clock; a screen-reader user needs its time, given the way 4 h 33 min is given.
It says 1 h 40 min
